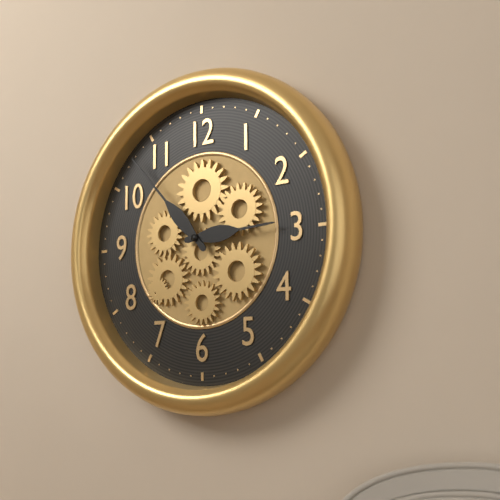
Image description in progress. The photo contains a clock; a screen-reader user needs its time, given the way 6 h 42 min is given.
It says 2 h 53 min
